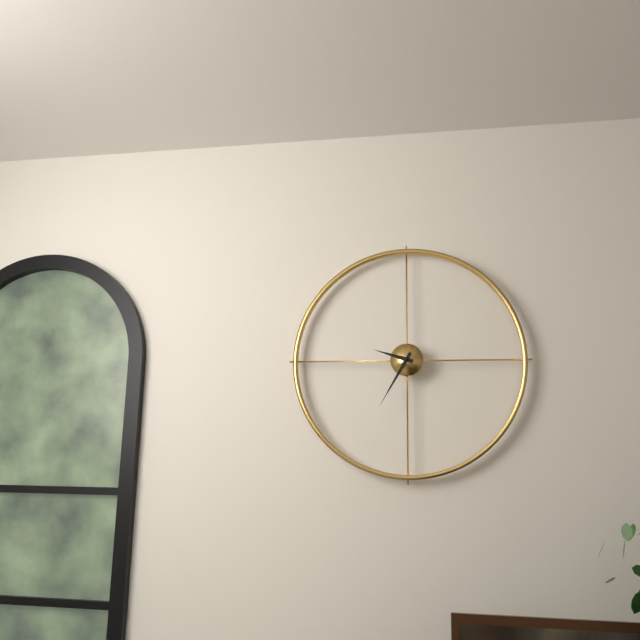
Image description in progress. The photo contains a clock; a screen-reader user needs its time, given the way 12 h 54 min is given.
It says 9 h 35 min
